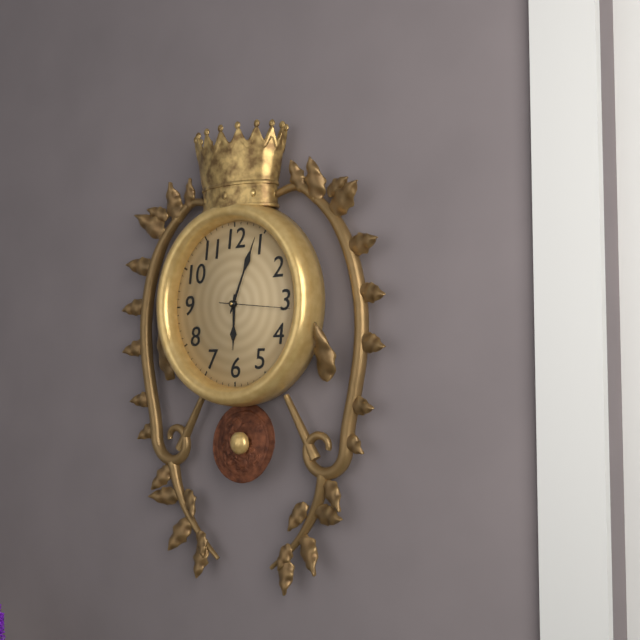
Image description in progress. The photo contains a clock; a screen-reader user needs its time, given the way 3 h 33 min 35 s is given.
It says 6 h 04 min 16 s
